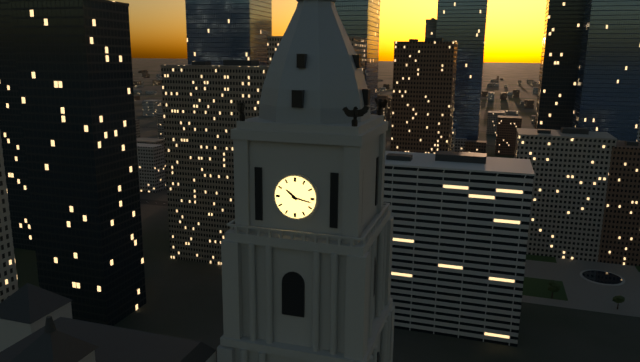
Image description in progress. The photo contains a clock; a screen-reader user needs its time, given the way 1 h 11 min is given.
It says 10 h 17 min
